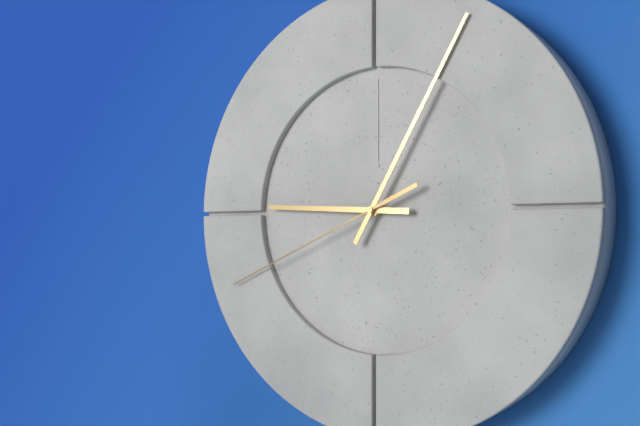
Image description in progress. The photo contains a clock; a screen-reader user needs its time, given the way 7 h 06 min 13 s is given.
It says 9 h 05 min 41 s
